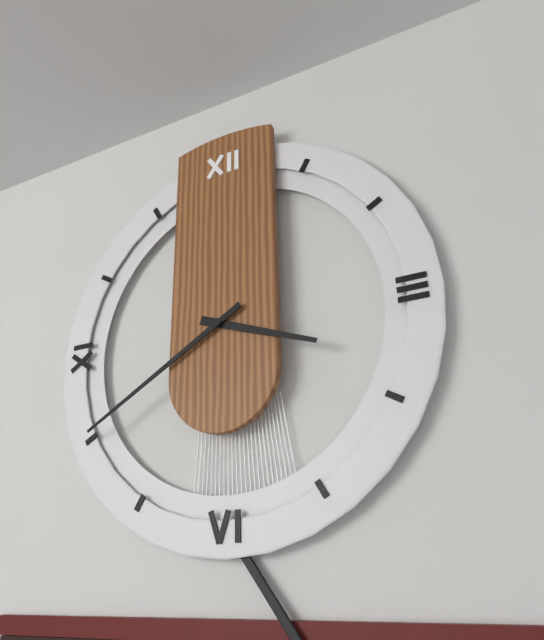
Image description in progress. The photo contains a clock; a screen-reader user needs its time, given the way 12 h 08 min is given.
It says 3 h 40 min
